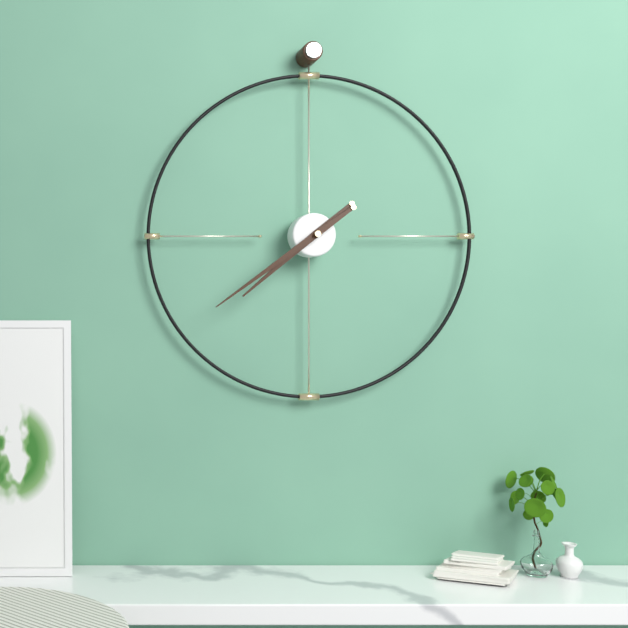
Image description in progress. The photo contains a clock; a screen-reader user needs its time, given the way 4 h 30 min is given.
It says 7 h 39 min
